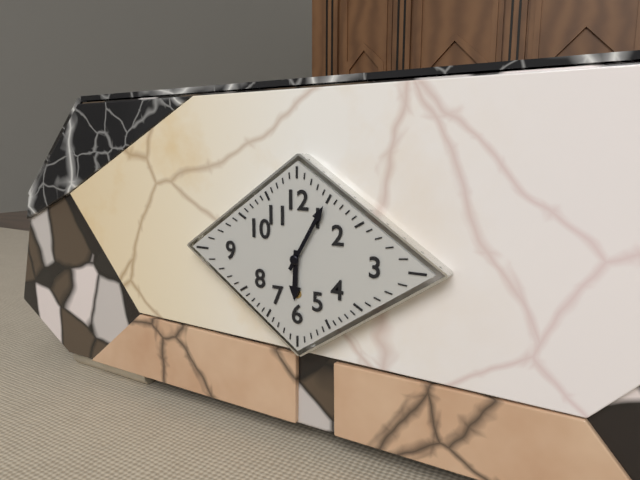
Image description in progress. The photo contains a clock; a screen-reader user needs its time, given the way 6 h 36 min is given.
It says 6 h 05 min
